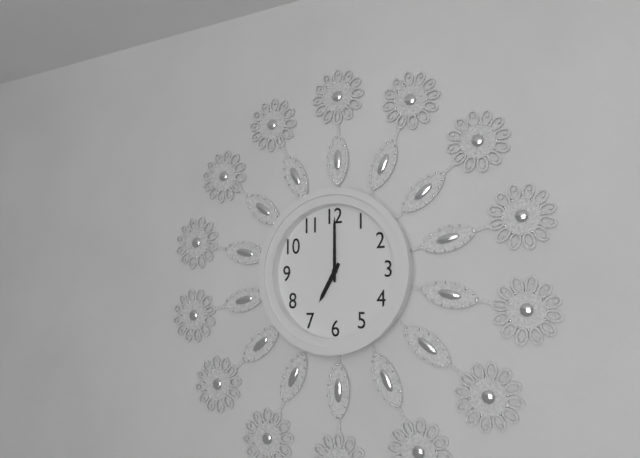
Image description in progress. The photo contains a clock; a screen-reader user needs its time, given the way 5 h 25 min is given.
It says 7 h 00 min
